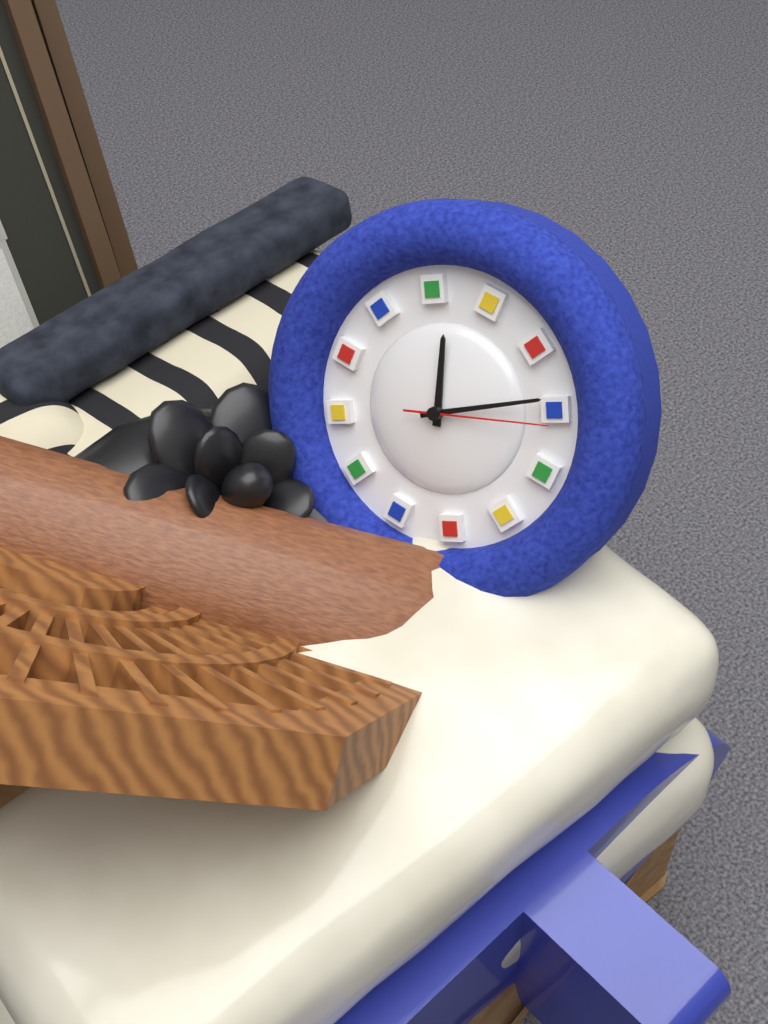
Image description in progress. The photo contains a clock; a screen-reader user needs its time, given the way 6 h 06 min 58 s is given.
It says 1 h 19 min 21 s
